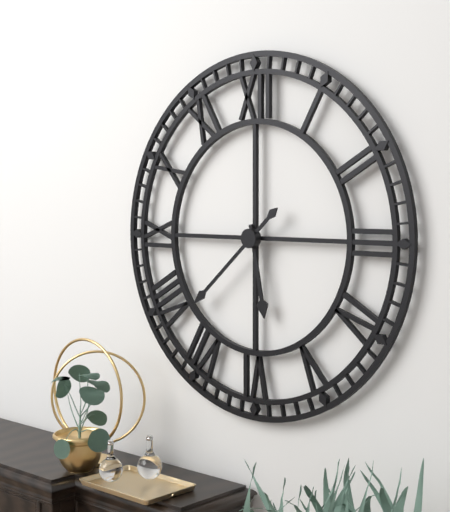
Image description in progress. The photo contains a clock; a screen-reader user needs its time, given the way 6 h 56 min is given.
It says 5 h 38 min
